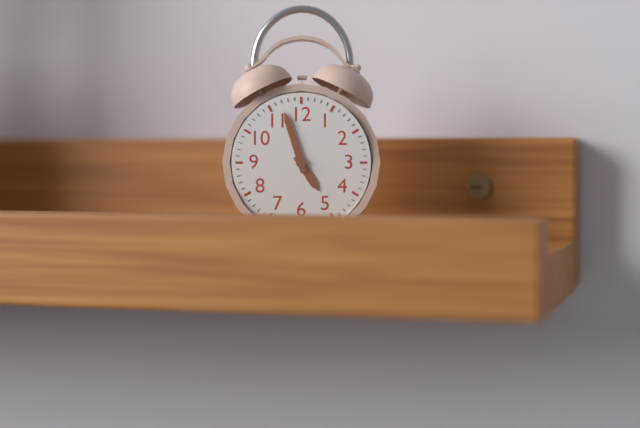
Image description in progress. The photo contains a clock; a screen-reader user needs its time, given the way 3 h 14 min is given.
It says 4 h 57 min
